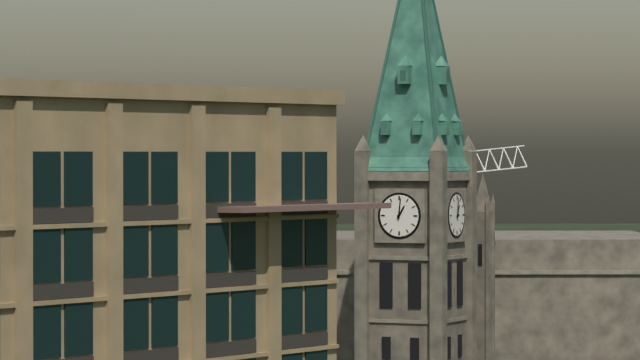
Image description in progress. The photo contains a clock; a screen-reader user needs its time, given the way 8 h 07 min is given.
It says 1 h 01 min
